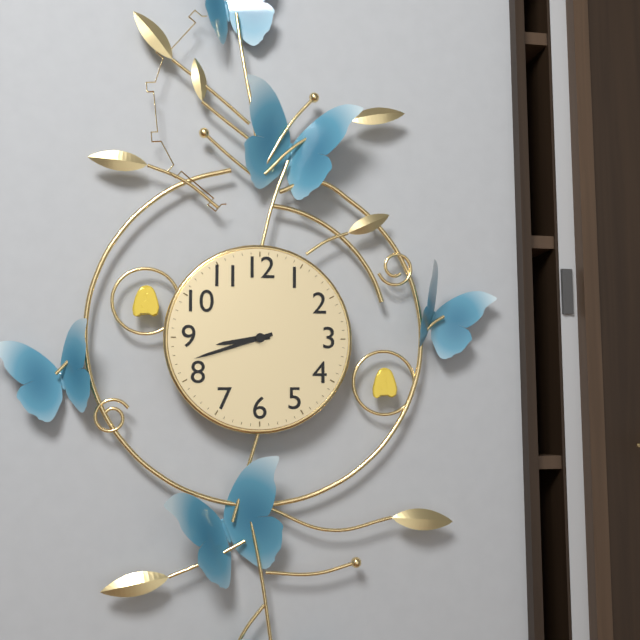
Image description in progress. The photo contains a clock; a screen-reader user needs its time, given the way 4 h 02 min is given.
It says 8 h 42 min
